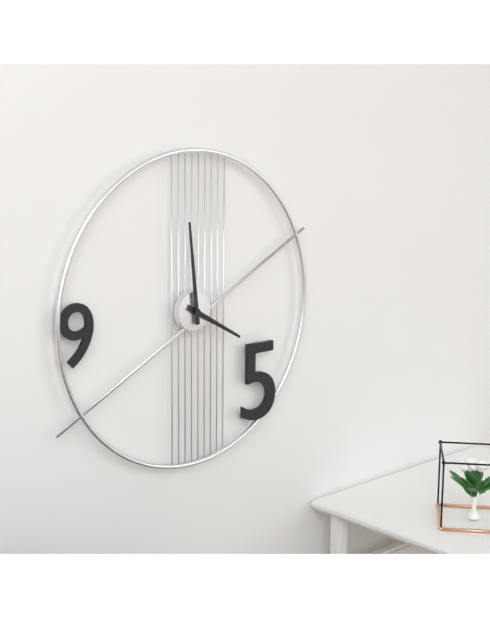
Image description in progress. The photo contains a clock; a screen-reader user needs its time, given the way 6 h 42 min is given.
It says 3 h 59 min
